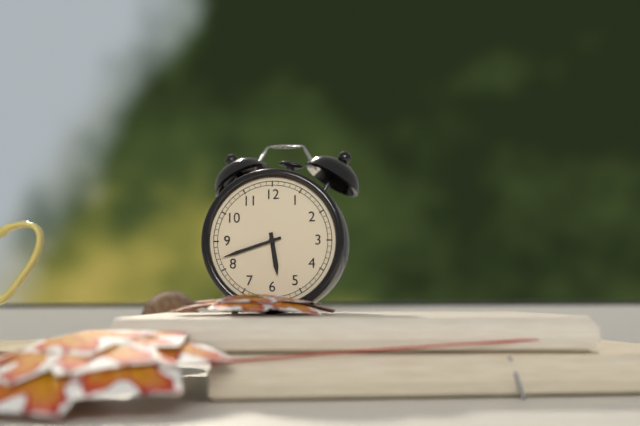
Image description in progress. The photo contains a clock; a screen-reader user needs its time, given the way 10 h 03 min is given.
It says 5 h 42 min
